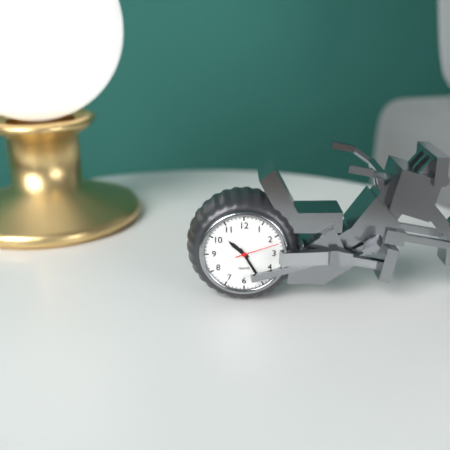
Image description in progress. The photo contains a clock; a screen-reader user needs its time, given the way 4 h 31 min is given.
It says 10 h 25 min
